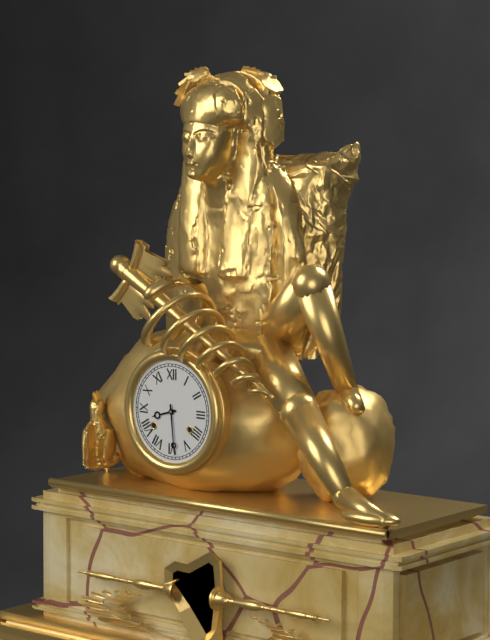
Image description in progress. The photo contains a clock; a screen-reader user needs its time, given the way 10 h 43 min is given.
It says 8 h 29 min
